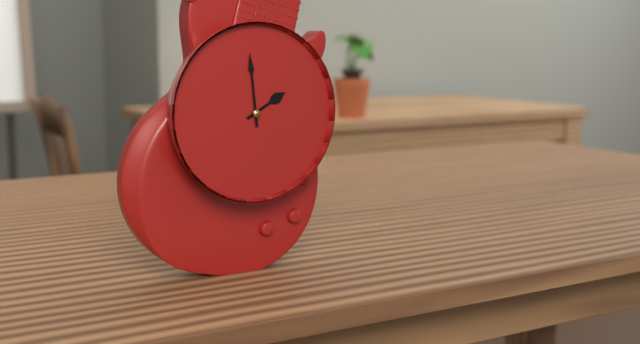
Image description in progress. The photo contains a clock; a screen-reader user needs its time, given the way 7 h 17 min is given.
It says 1 h 59 min
